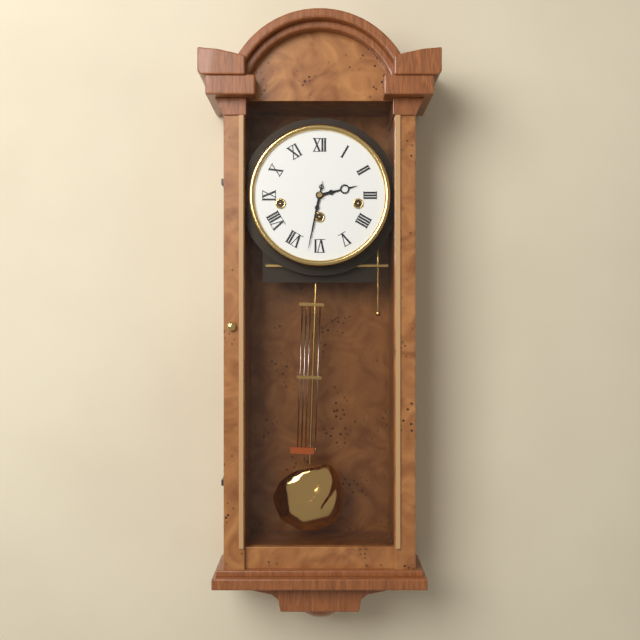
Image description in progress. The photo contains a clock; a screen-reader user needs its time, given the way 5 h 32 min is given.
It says 2 h 32 min
